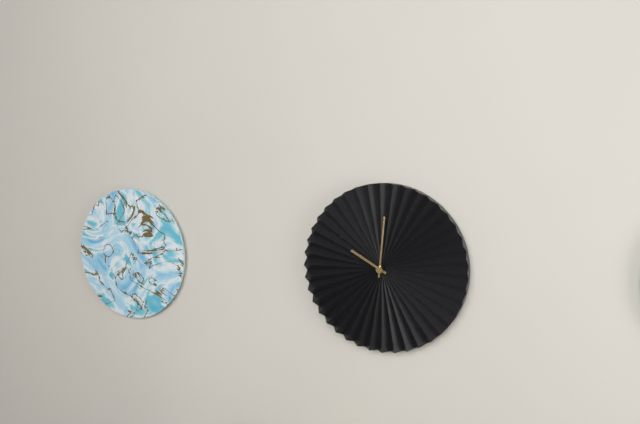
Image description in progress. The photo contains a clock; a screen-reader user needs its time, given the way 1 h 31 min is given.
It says 10 h 01 min
